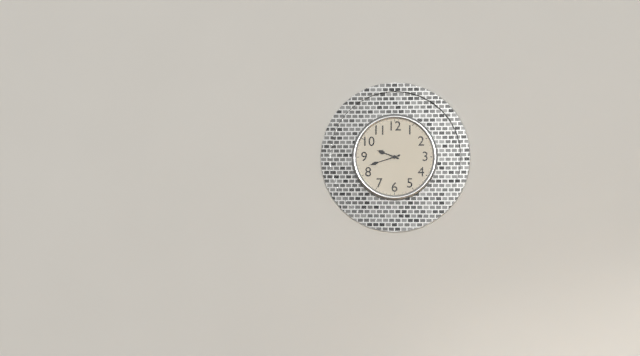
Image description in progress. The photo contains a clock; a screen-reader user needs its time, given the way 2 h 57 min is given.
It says 9 h 42 min
